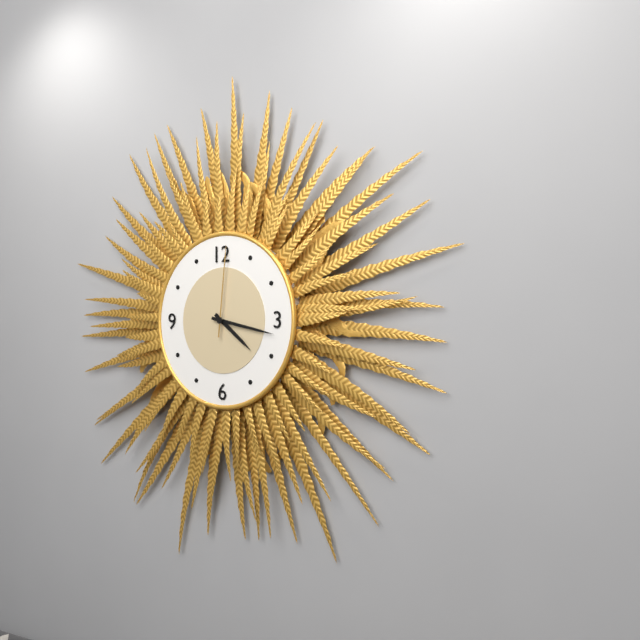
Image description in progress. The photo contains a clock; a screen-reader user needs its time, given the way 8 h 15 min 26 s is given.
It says 4 h 17 min 01 s
